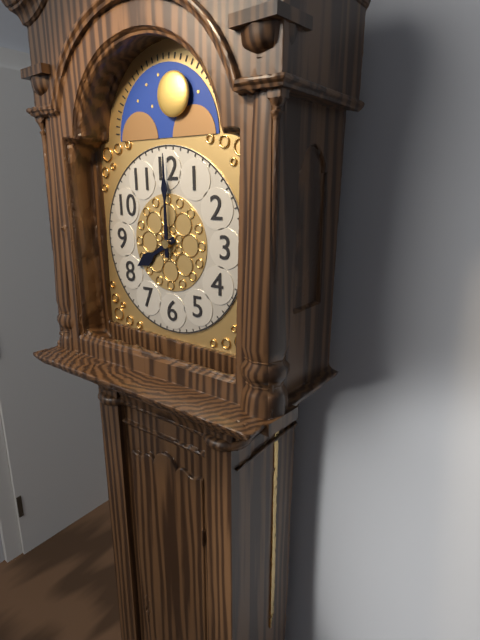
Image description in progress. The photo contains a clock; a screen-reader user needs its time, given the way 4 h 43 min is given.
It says 8 h 00 min
